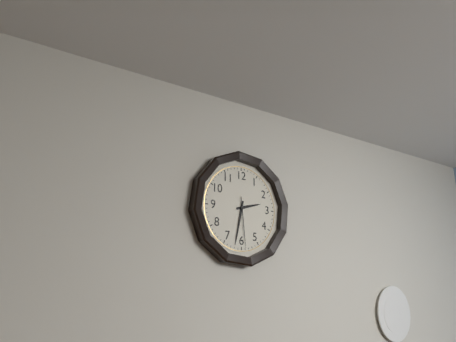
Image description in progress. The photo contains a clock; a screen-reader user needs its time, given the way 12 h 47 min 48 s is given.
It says 2 h 32 min 29 s
